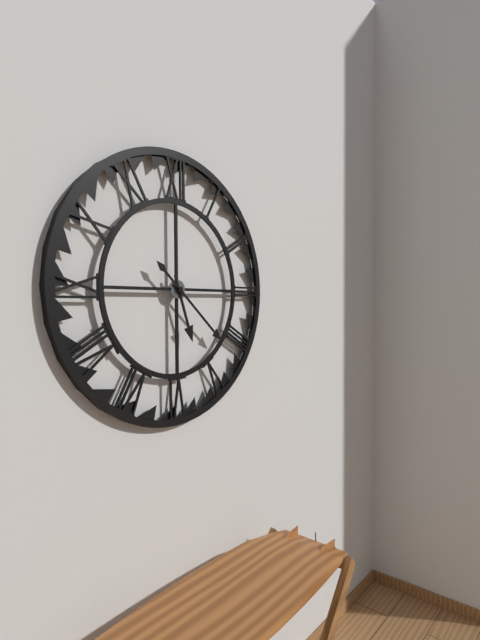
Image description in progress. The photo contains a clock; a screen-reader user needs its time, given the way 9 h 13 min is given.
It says 5 h 22 min
